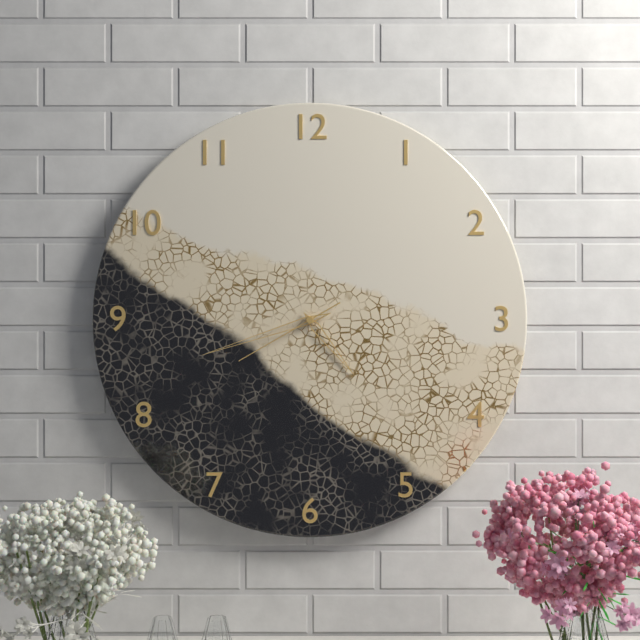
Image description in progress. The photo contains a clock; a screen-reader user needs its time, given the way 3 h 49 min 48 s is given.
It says 4 h 42 min 40 s
